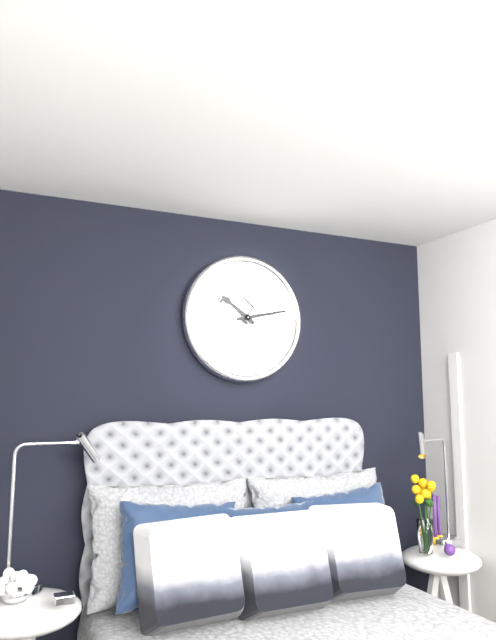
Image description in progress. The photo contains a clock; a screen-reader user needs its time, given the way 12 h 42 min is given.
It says 10 h 13 min
